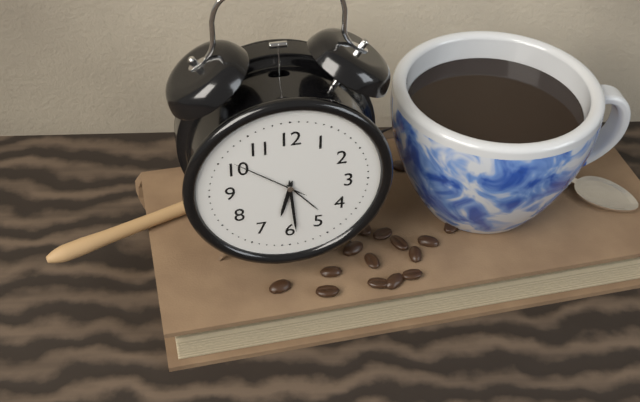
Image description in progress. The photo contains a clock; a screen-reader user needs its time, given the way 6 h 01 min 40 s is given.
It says 6 h 29 min 51 s
